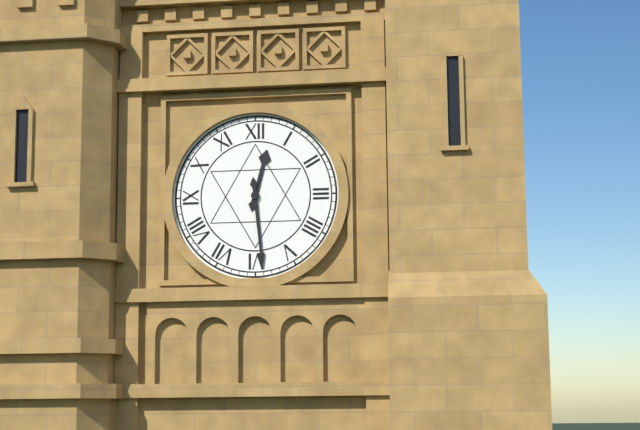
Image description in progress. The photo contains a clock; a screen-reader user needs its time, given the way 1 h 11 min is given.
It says 12 h 29 min
